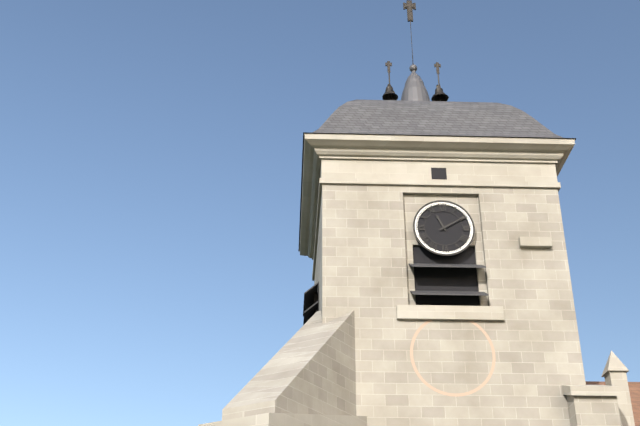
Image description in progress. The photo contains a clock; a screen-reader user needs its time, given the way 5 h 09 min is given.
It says 11 h 10 min
